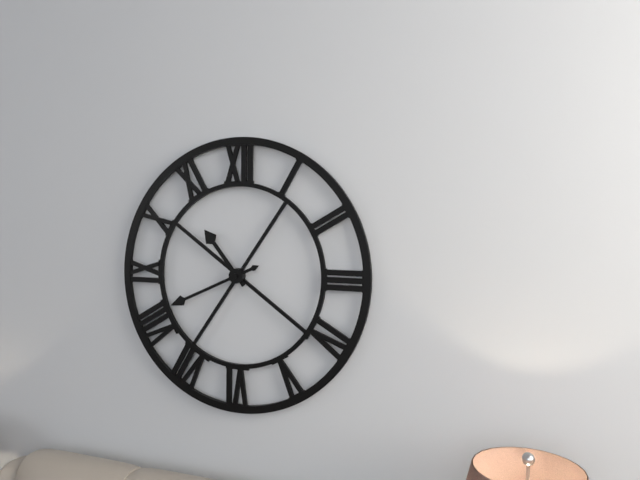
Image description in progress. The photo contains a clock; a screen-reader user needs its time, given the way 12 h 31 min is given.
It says 10 h 41 min
